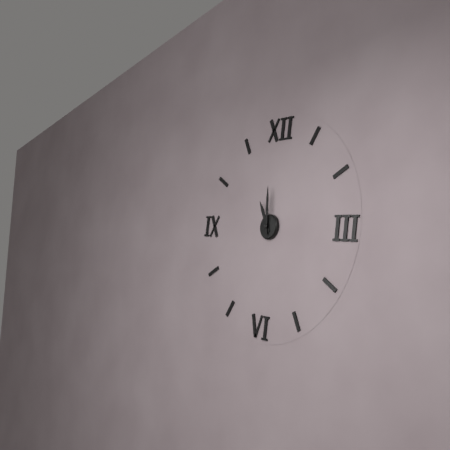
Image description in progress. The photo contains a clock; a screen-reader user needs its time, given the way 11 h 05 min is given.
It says 10 h 59 min
